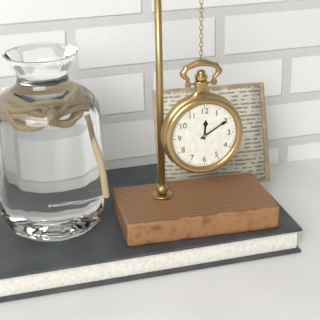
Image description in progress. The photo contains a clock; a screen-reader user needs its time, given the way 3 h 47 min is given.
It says 12 h 10 min
